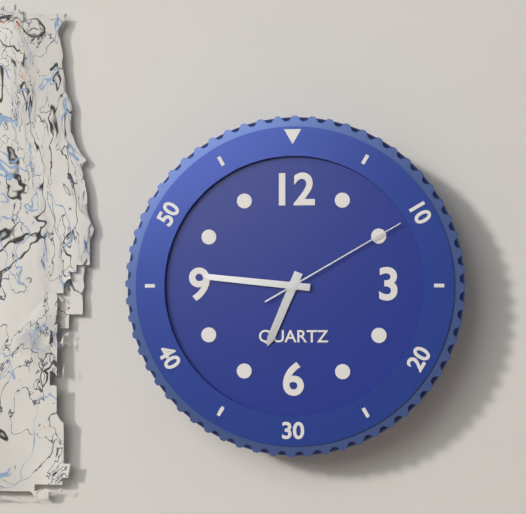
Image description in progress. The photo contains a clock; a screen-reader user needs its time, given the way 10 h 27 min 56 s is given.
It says 6 h 46 min 10 s
